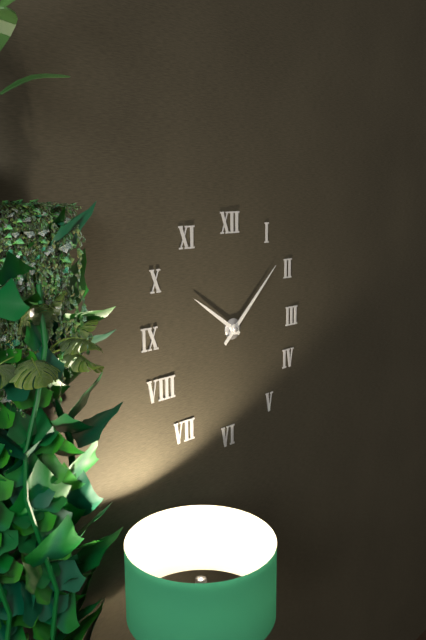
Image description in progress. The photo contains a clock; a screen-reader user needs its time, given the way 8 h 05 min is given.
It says 10 h 08 min
